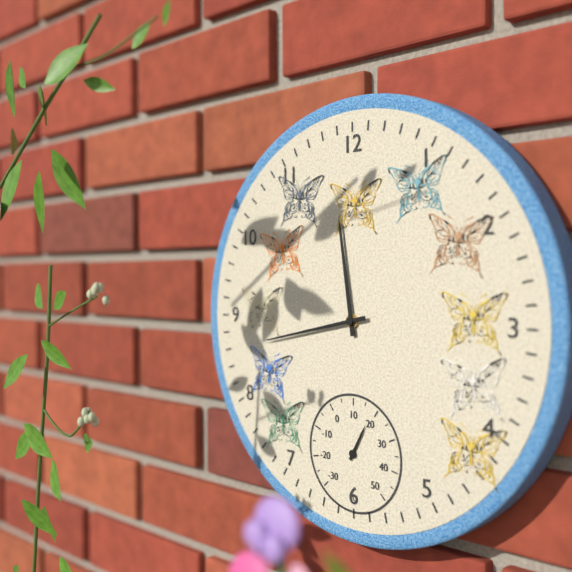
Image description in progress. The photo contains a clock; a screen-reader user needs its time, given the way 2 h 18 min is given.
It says 11 h 43 min
